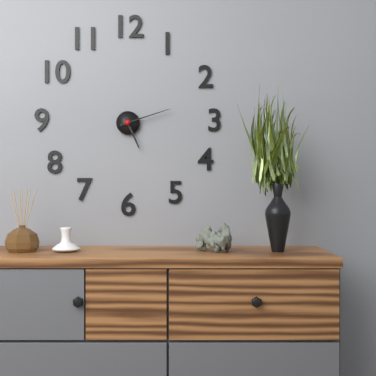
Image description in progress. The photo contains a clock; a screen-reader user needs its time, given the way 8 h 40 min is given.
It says 5 h 12 min
